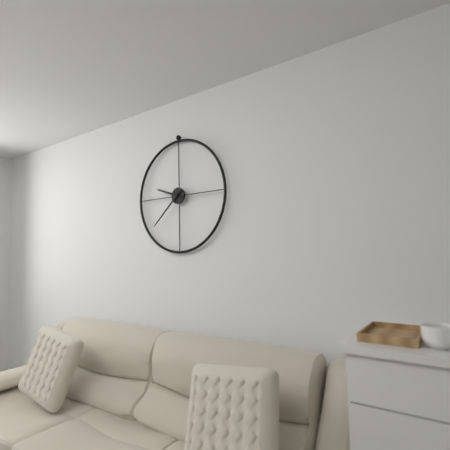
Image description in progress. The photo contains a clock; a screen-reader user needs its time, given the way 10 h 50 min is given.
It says 9 h 38 min
